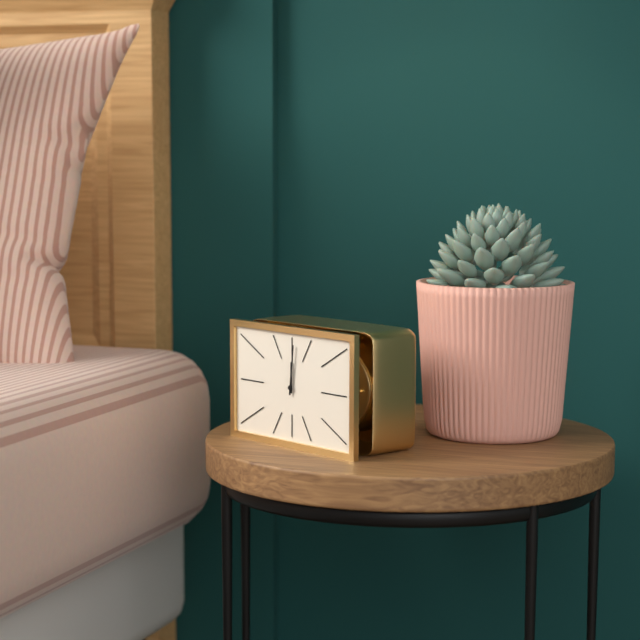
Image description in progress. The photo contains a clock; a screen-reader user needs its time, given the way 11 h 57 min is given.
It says 12 h 01 min
